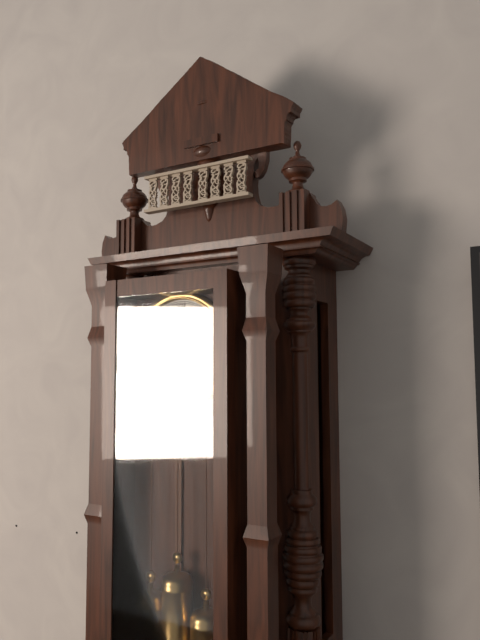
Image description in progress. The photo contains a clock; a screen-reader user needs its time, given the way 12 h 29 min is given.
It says 10 h 36 min
